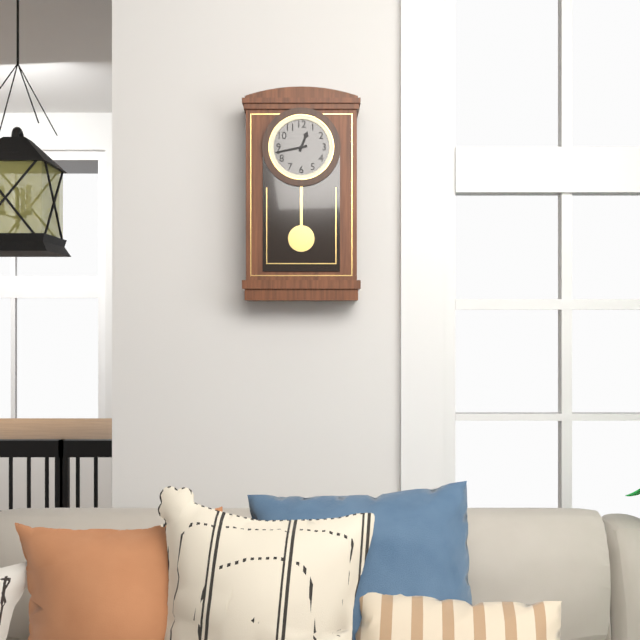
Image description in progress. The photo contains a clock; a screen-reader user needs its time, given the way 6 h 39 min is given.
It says 12 h 43 min
